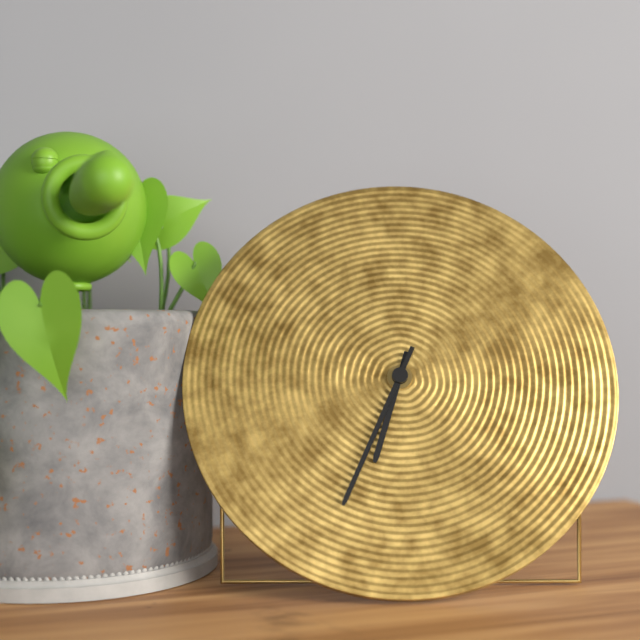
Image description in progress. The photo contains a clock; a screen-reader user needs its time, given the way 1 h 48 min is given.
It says 6 h 34 min
